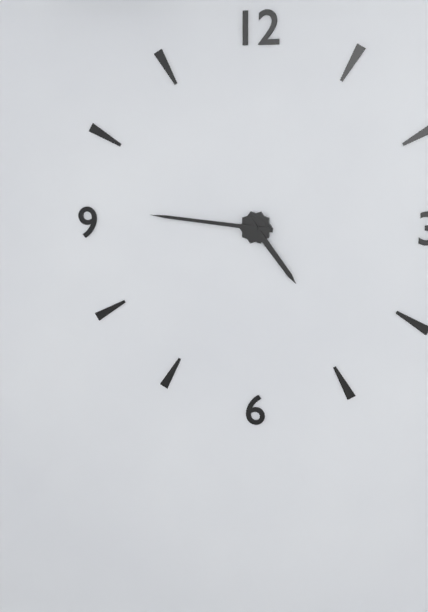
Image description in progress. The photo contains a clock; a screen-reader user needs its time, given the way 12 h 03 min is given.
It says 4 h 46 min
